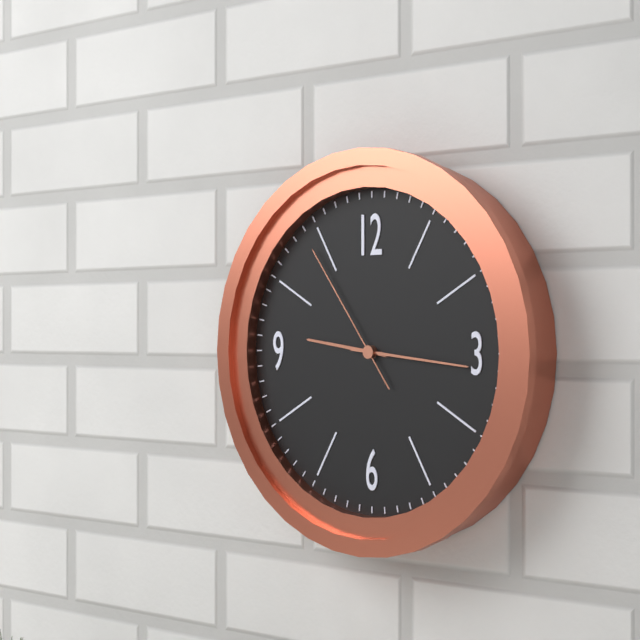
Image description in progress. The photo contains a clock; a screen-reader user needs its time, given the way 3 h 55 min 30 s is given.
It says 9 h 16 min 54 s
